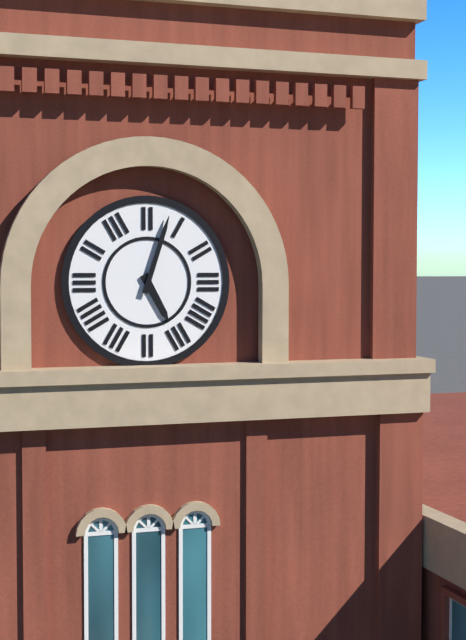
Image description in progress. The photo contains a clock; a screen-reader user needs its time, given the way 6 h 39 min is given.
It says 5 h 03 min
